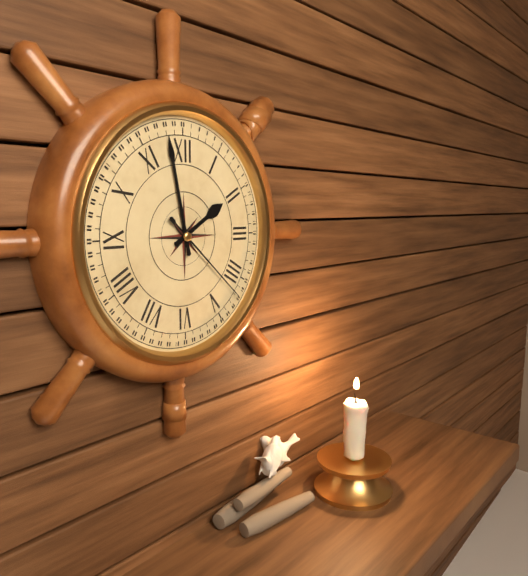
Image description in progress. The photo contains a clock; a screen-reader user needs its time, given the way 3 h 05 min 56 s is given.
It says 1 h 58 min 22 s
